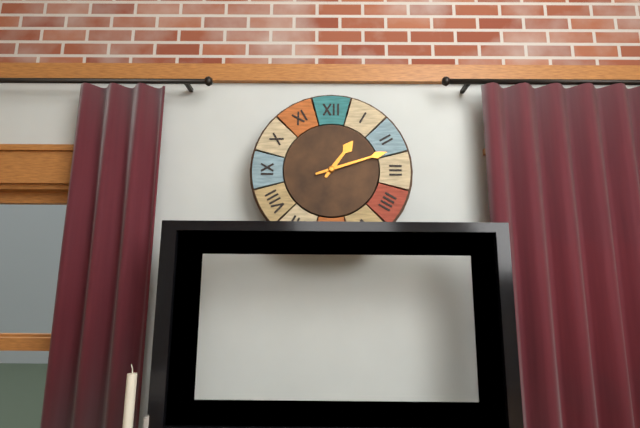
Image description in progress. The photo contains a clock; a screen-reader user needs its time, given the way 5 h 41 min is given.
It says 1 h 12 min
